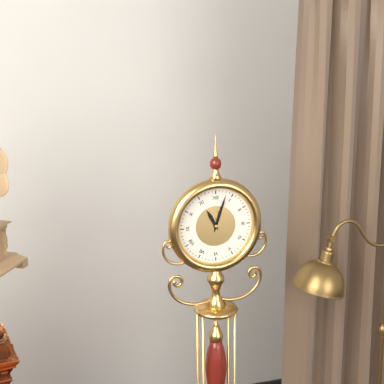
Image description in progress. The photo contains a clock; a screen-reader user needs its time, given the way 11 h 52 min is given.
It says 11 h 03 min
